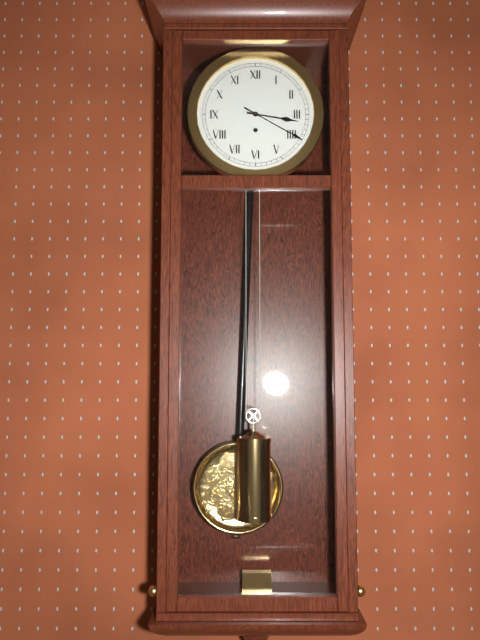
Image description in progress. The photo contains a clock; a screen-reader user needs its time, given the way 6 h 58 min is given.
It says 3 h 20 min
